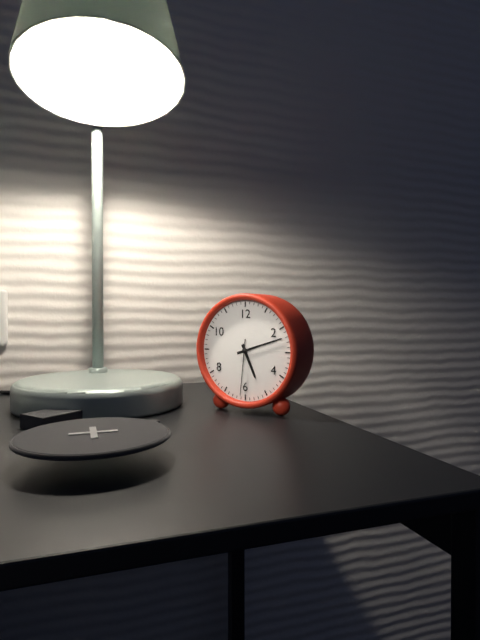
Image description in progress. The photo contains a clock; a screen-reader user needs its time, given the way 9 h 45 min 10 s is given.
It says 5 h 12 min 31 s
